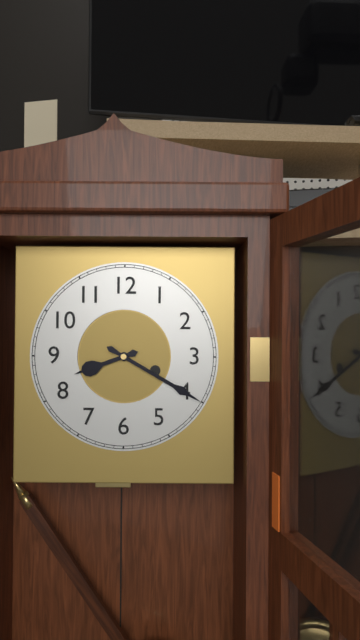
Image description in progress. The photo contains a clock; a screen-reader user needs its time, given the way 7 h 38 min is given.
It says 8 h 20 min
